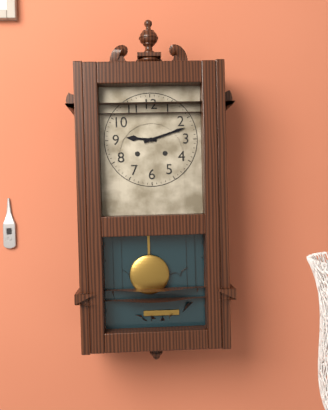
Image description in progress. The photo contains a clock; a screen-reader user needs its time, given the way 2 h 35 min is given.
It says 9 h 12 min
